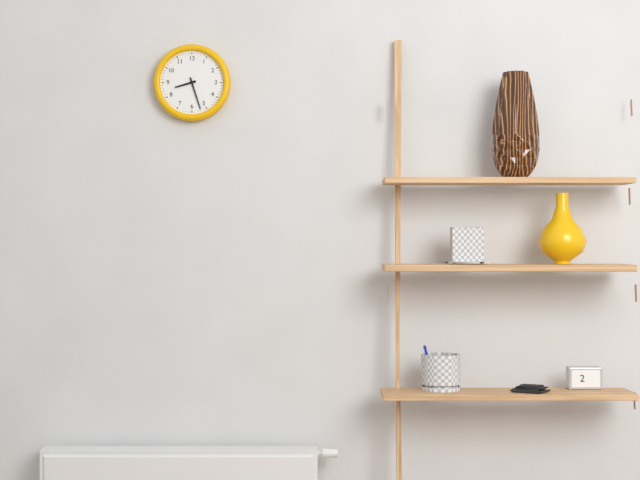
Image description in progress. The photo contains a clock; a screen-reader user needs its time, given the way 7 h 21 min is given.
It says 8 h 27 min
